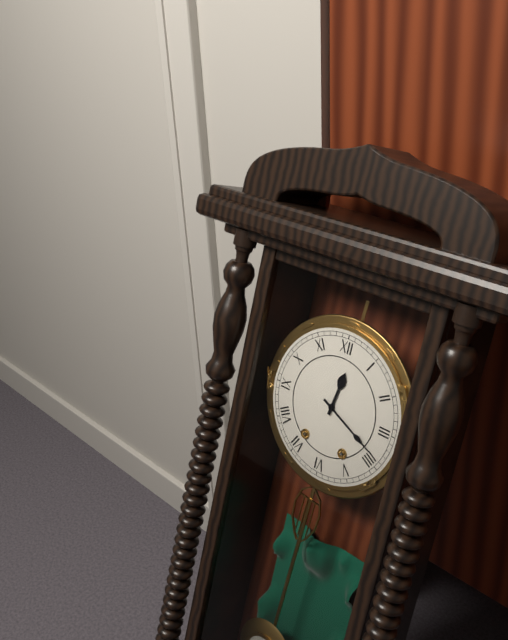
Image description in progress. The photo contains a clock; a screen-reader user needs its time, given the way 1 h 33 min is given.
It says 12 h 19 min
